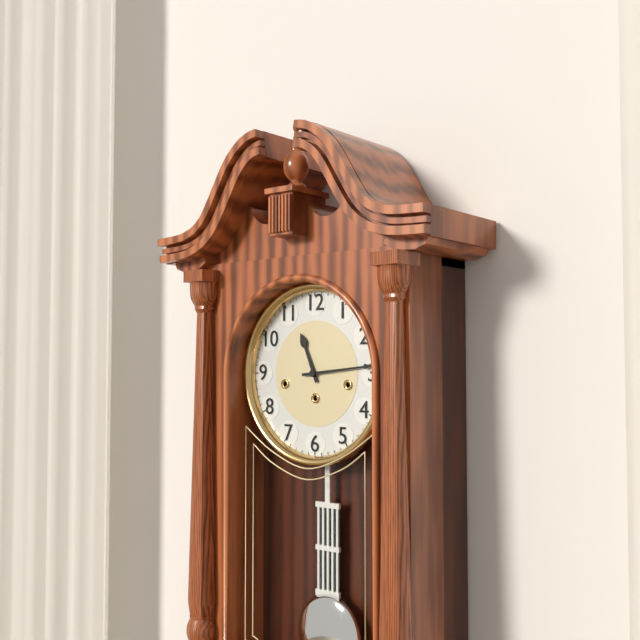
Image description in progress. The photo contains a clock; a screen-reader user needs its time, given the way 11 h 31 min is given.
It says 11 h 14 min
